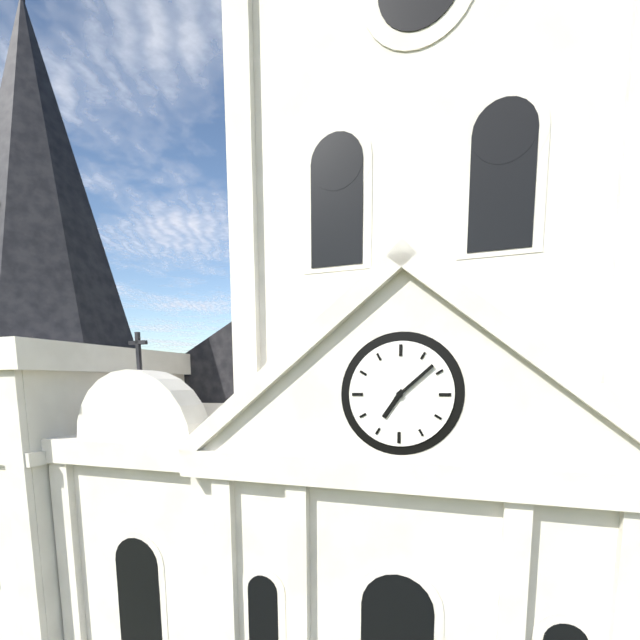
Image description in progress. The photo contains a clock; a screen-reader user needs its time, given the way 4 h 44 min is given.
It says 7 h 08 min
